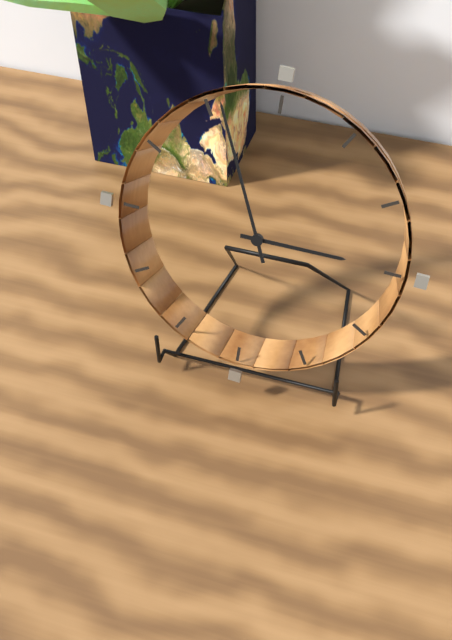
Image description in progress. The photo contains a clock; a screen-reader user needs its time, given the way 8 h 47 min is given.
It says 2 h 56 min
